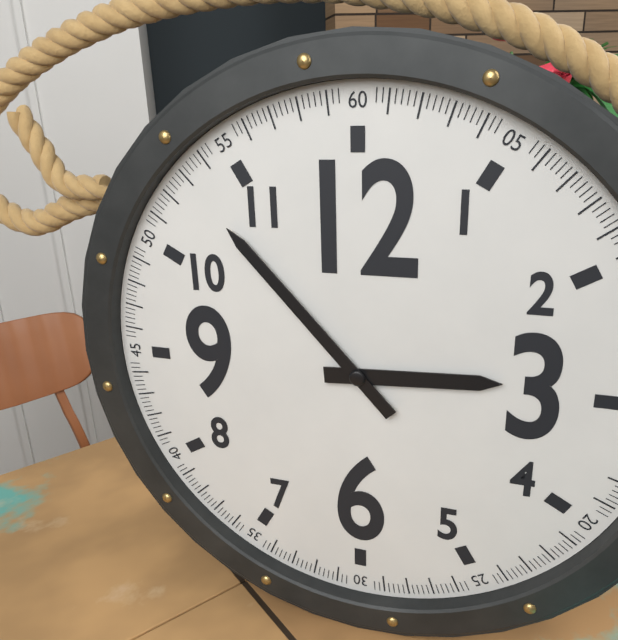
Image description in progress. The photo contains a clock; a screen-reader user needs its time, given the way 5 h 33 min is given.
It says 2 h 53 min
